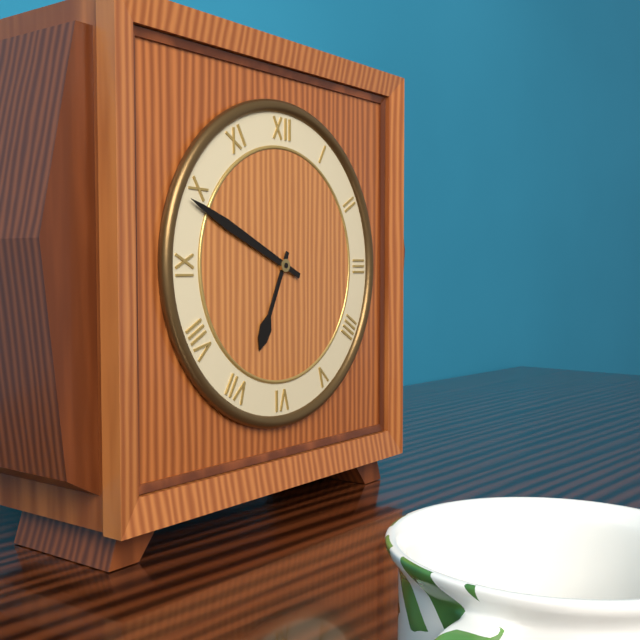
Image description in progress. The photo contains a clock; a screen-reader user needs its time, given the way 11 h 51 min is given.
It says 6 h 49 min
